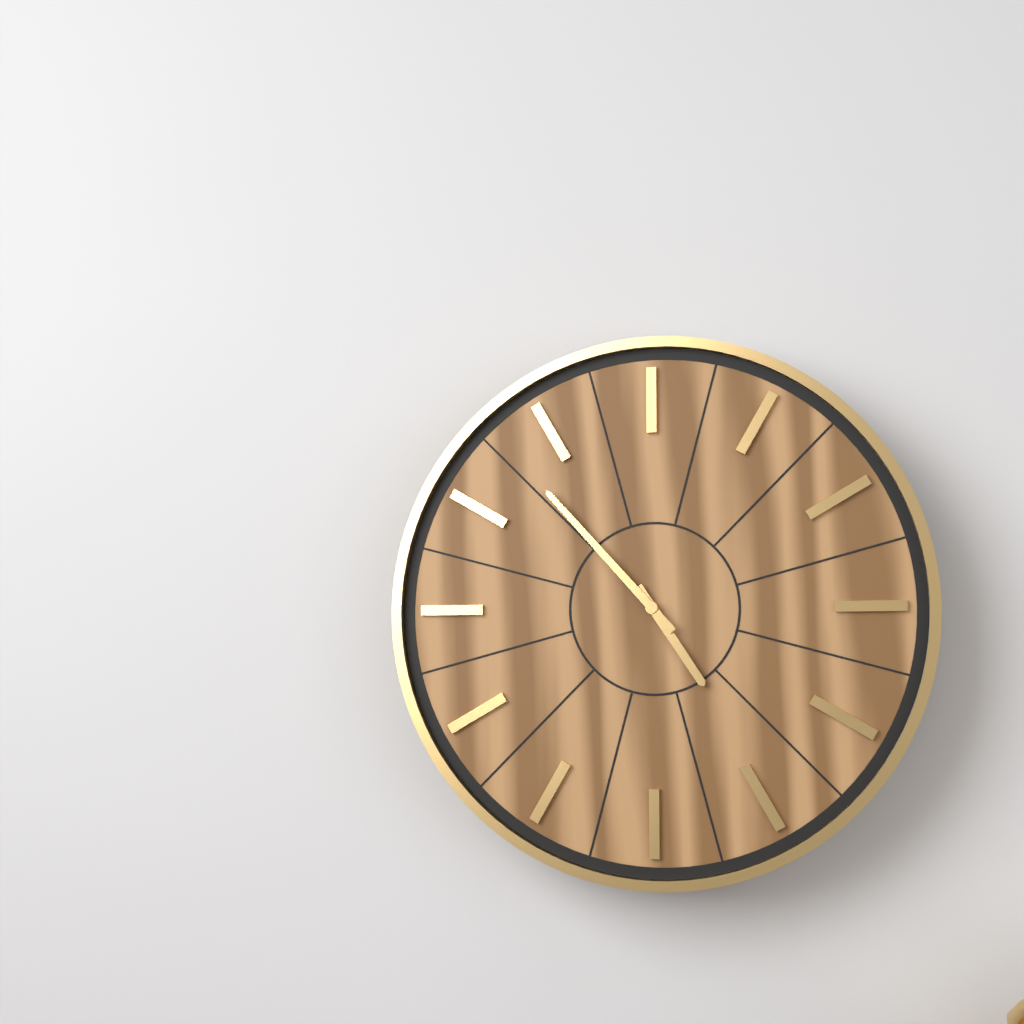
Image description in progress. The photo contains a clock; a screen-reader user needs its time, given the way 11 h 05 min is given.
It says 4 h 53 min
